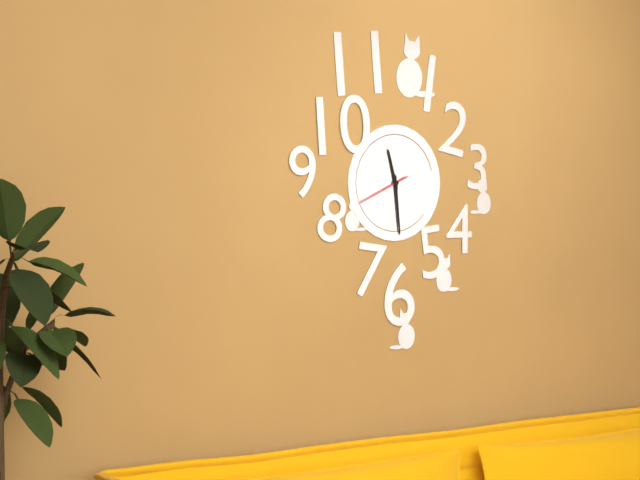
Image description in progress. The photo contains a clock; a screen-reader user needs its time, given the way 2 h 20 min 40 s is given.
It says 11 h 29 min 41 s
